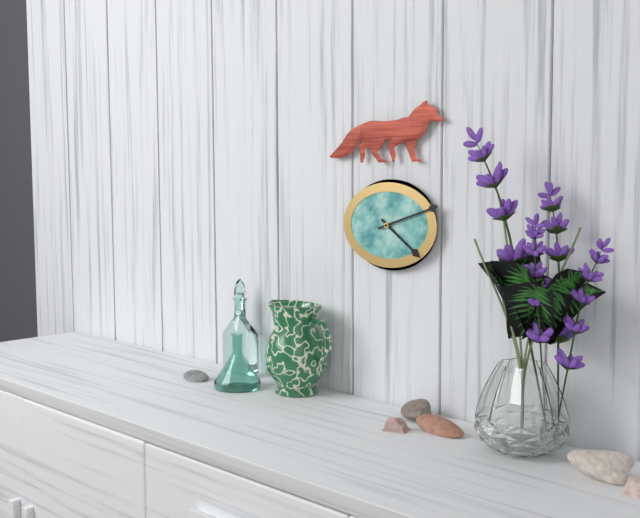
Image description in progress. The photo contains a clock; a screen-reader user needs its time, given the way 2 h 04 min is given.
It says 4 h 12 min
